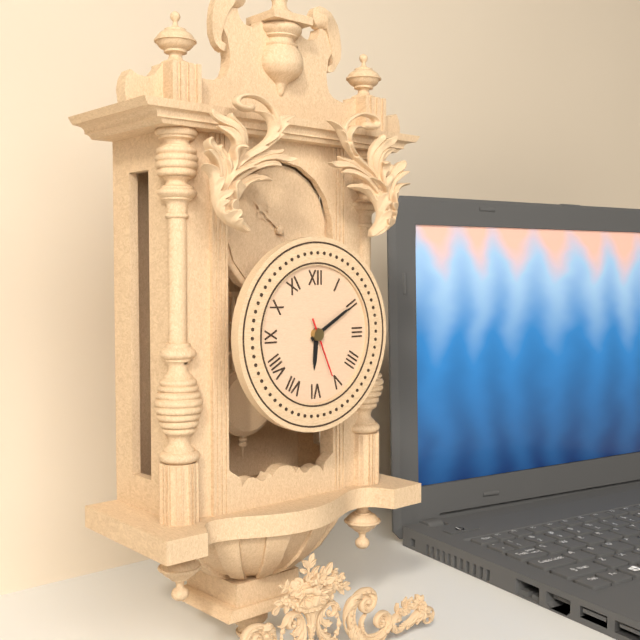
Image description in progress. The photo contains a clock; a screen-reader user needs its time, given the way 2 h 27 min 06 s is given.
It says 6 h 10 min 26 s
